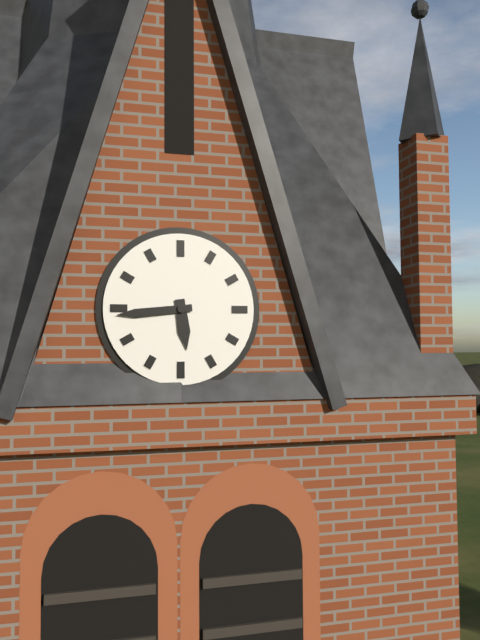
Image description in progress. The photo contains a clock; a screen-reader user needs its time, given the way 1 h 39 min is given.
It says 5 h 44 min
